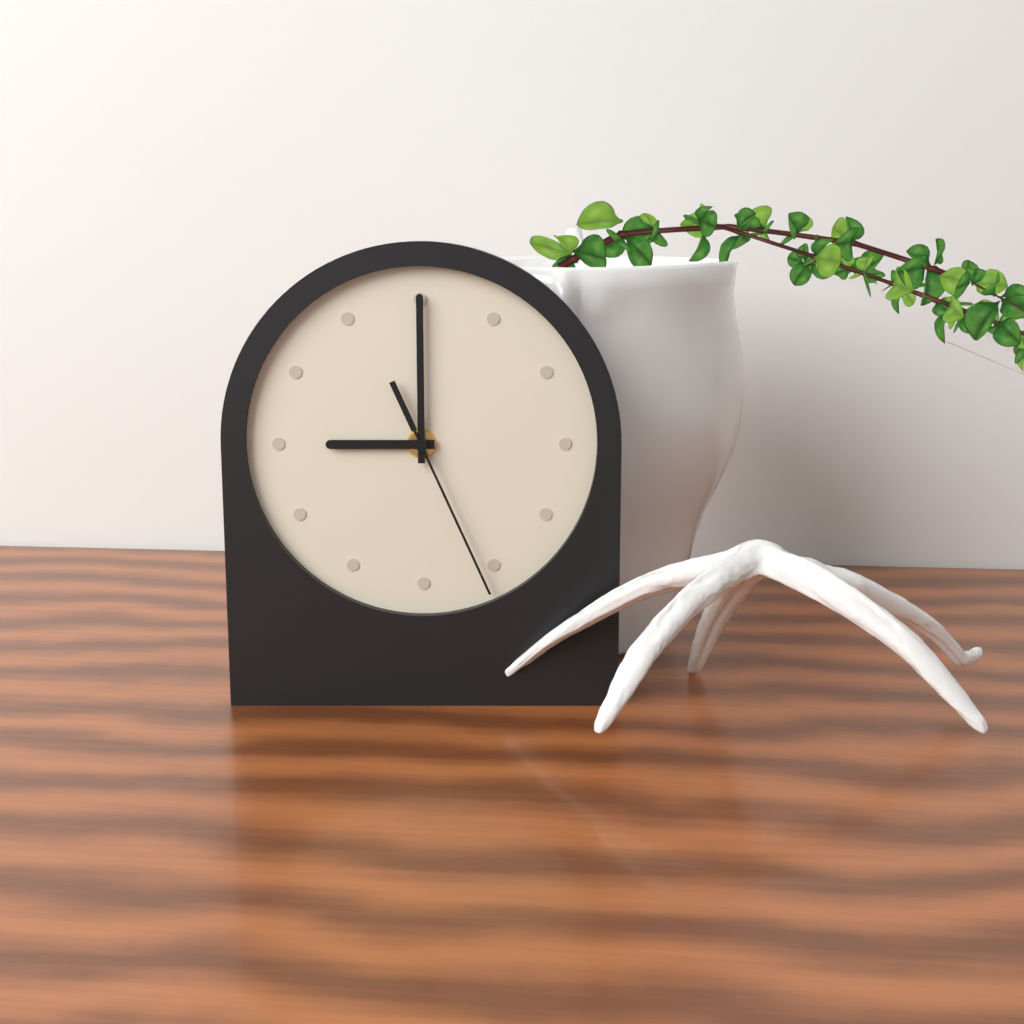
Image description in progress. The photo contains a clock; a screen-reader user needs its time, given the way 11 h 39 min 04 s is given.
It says 9 h 00 min 26 s
